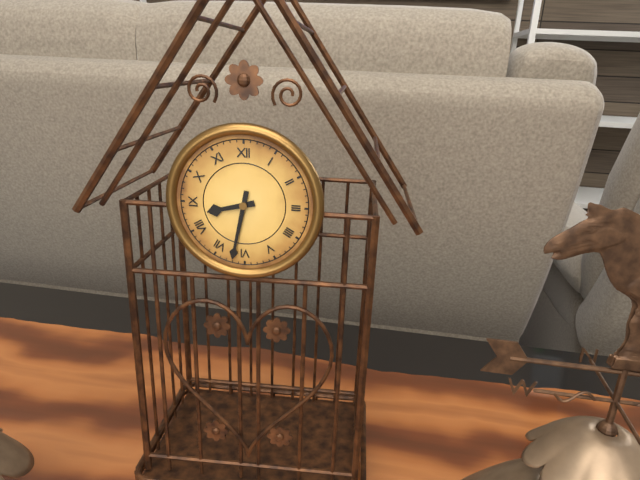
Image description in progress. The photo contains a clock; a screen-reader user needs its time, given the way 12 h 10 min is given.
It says 8 h 32 min
